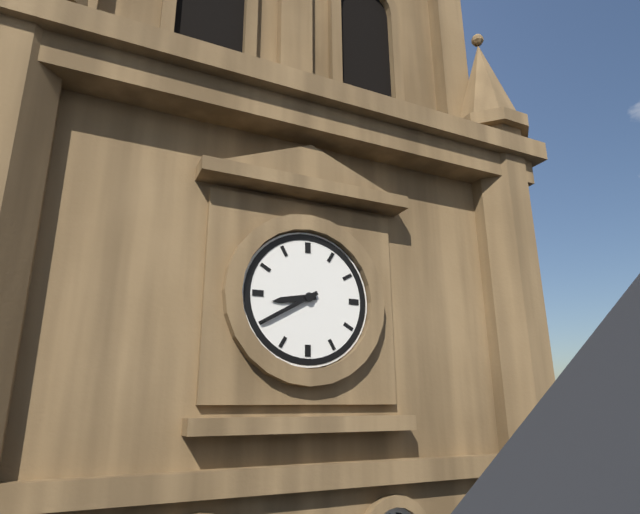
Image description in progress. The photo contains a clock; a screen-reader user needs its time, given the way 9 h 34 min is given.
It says 8 h 40 min
